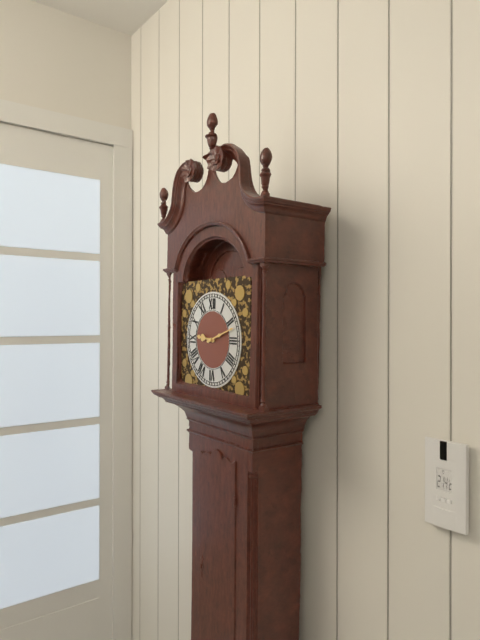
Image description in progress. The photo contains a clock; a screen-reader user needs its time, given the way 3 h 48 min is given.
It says 9 h 12 min
